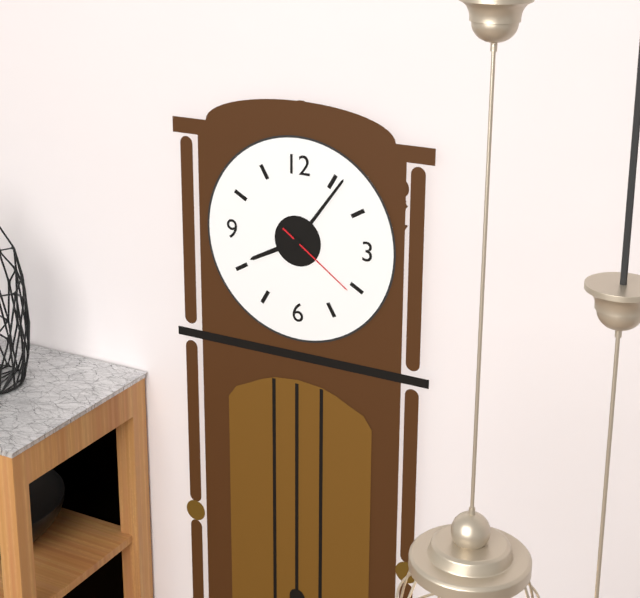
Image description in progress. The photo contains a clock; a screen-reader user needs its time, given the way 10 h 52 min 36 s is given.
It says 8 h 06 min 21 s
